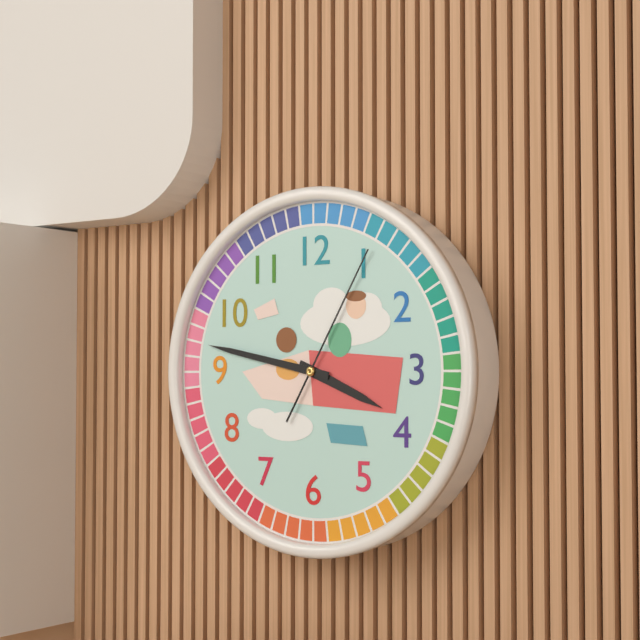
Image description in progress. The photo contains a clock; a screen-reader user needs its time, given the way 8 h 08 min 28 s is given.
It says 3 h 47 min 05 s
